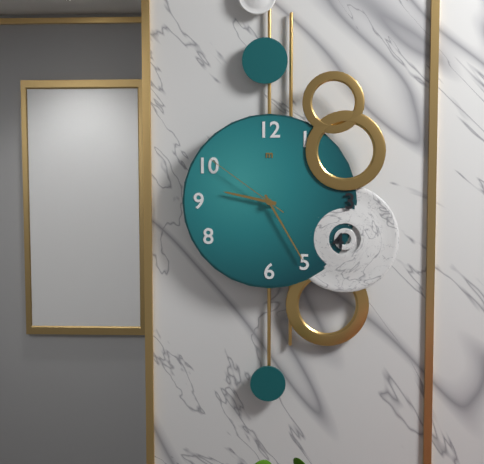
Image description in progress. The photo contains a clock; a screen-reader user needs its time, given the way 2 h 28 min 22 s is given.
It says 9 h 25 min 51 s
